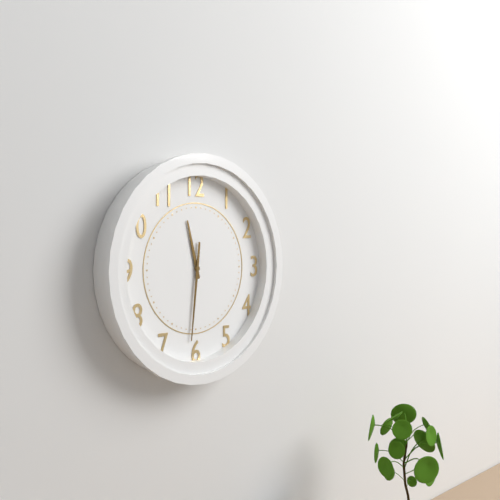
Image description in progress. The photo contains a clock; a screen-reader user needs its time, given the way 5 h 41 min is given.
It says 11 h 31 min
